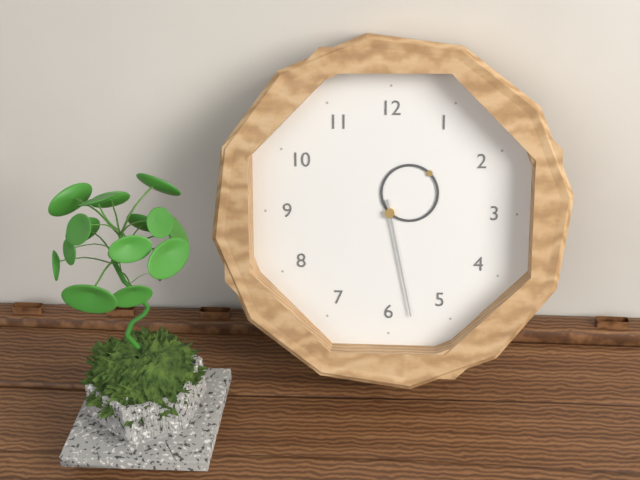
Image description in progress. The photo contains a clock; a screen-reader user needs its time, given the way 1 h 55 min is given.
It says 1 h 28 min
